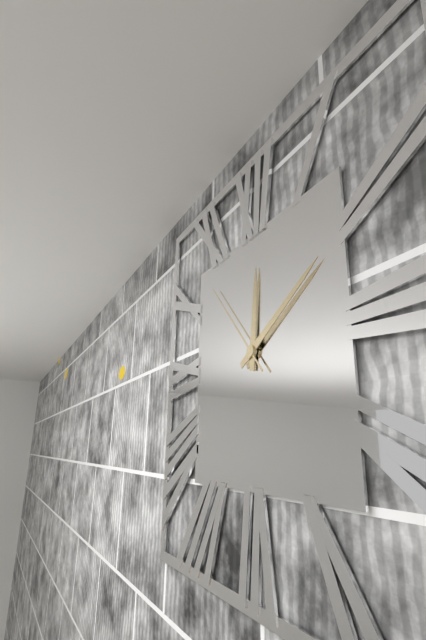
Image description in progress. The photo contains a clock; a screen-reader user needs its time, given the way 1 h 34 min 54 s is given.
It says 12 h 10 min 53 s
